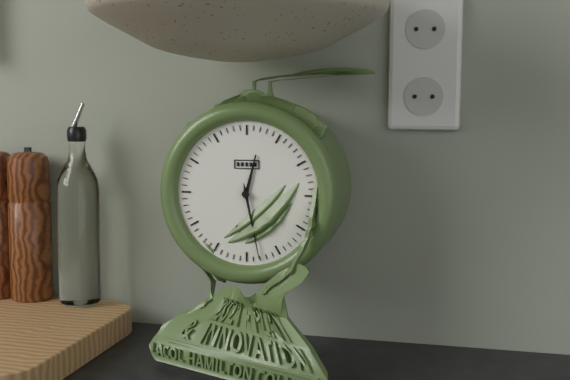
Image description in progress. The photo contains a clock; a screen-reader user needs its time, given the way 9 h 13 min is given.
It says 12 h 28 min
